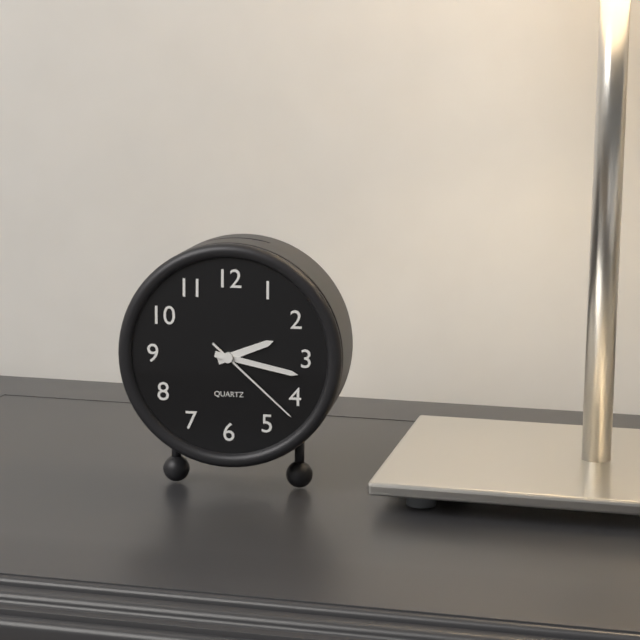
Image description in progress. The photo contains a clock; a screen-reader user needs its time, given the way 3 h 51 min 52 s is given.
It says 2 h 17 min 22 s
